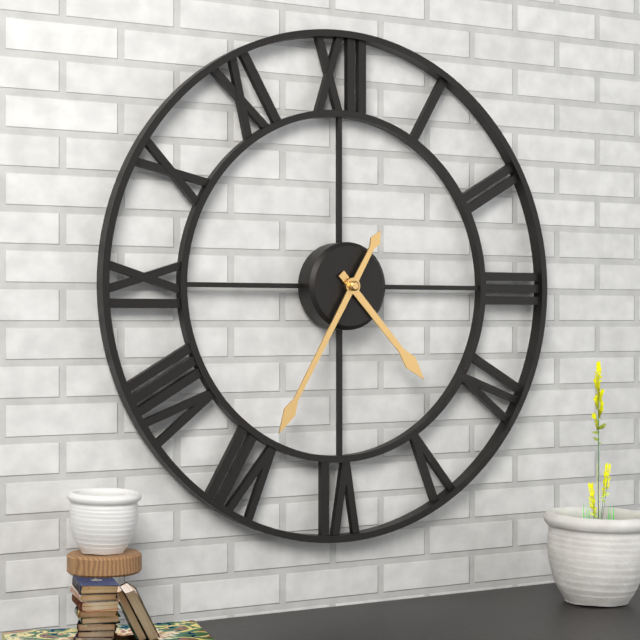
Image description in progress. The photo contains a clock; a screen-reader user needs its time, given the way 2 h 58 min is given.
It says 4 h 35 min
